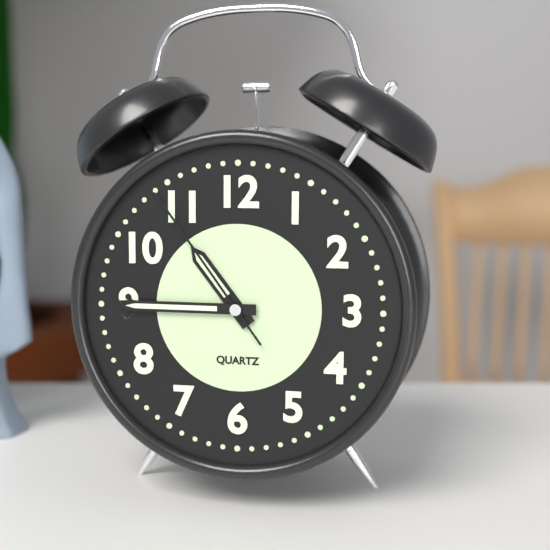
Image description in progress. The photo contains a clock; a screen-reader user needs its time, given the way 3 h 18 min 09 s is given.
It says 10 h 45 min 54 s
